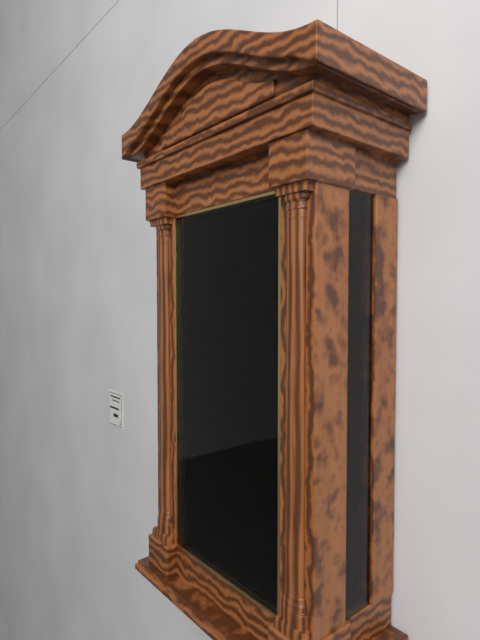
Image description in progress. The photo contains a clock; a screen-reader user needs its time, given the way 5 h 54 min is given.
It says 1 h 10 min
